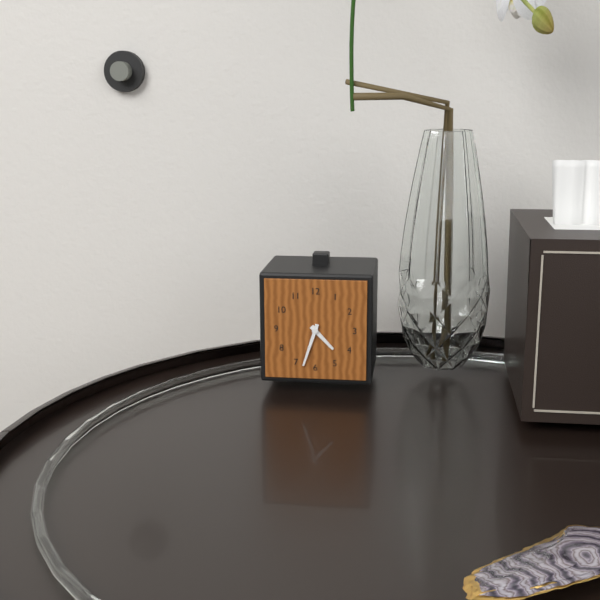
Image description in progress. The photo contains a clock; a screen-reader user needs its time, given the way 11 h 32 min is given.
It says 4 h 33 min
